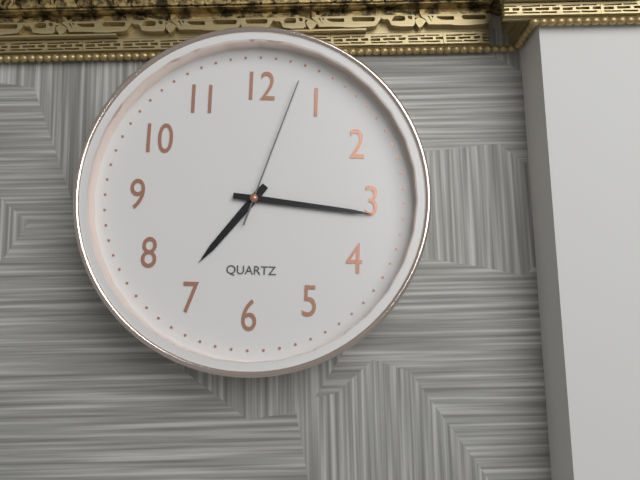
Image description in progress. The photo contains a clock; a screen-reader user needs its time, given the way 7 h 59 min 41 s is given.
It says 7 h 16 min 03 s
